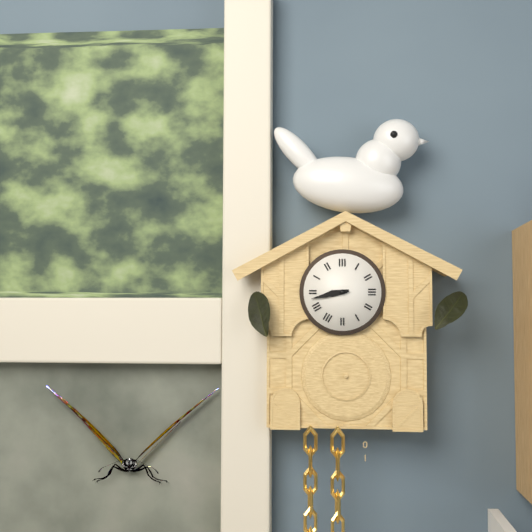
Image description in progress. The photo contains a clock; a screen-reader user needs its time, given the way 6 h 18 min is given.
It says 8 h 43 min
